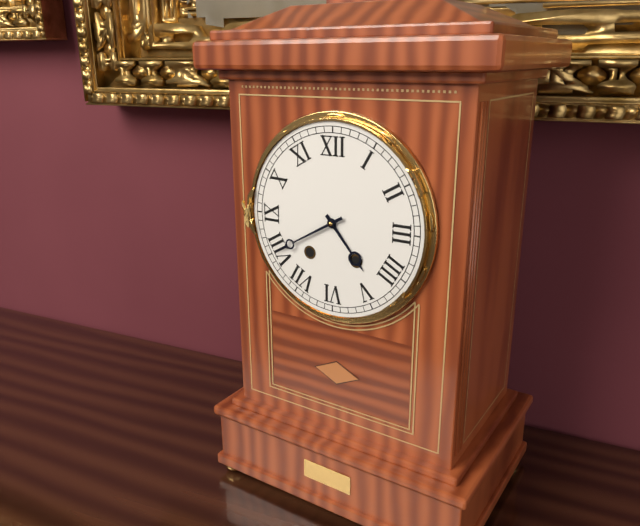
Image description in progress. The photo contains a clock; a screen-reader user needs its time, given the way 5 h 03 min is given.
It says 4 h 40 min
